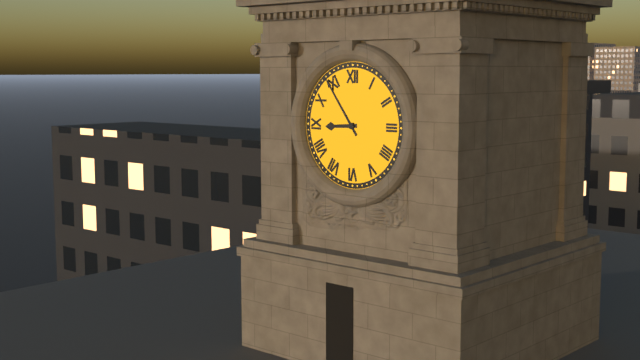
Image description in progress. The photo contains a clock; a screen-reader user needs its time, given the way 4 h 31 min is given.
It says 8 h 54 min
